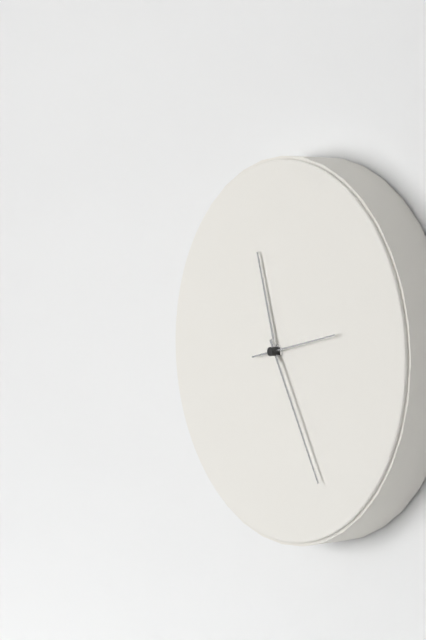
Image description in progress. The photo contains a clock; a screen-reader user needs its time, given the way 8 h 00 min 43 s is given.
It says 11 h 25 min 13 s
